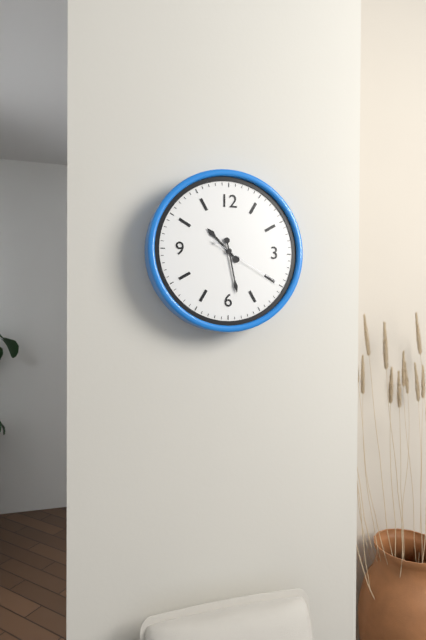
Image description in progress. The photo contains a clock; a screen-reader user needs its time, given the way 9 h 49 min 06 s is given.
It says 10 h 28 min 20 s
